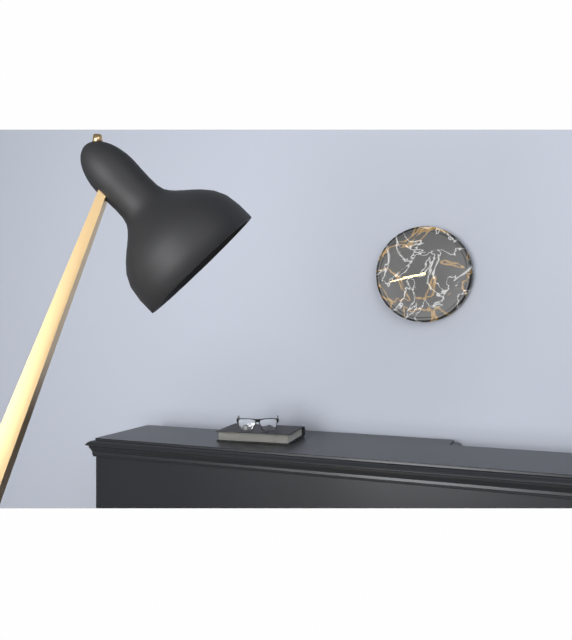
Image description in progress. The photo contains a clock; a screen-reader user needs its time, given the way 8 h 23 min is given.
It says 8 h 43 min
